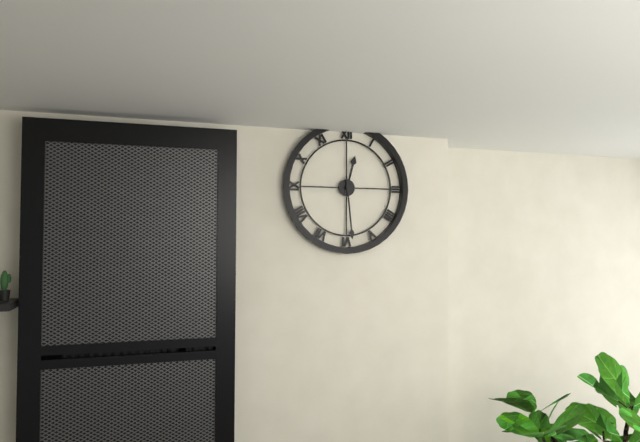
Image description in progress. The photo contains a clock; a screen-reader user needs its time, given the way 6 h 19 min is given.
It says 12 h 29 min
